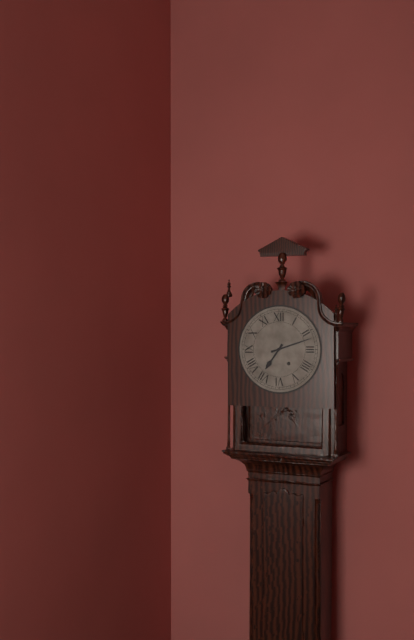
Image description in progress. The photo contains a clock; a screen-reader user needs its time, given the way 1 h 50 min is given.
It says 7 h 12 min
